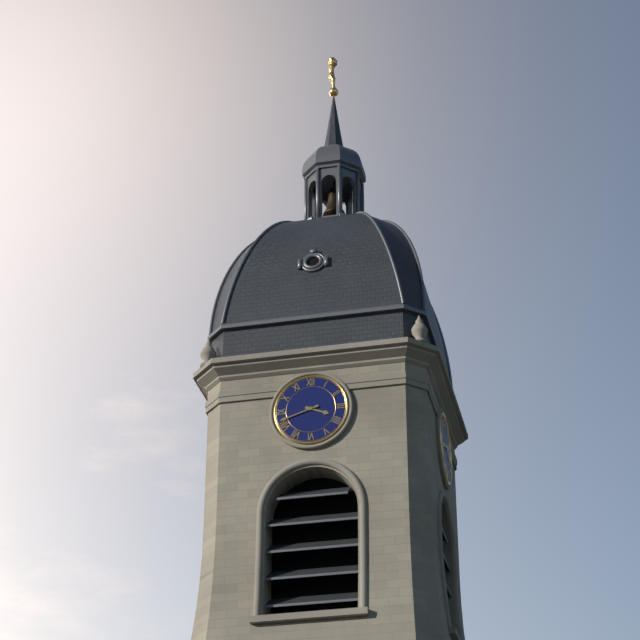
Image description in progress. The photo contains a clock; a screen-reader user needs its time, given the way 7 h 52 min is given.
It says 3 h 42 min
